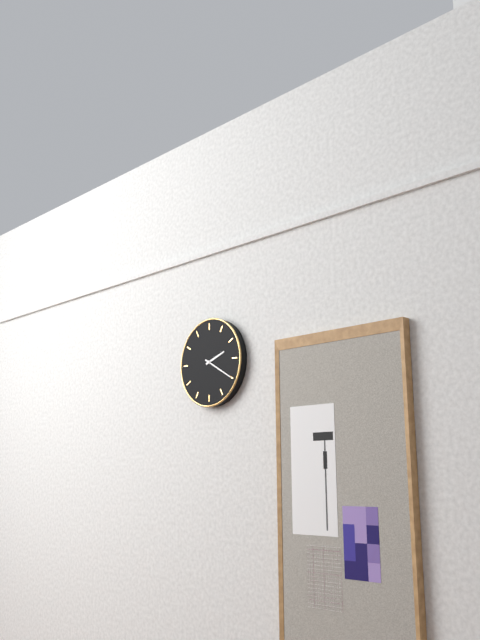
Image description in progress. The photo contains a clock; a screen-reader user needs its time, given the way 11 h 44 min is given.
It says 2 h 20 min
